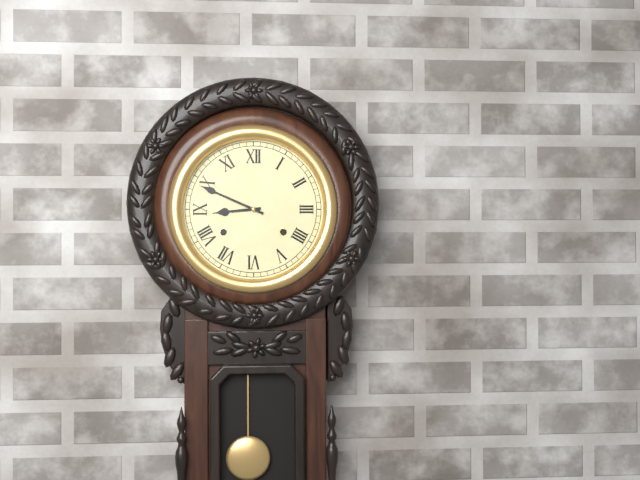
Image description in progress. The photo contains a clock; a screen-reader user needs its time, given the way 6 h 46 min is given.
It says 8 h 49 min
